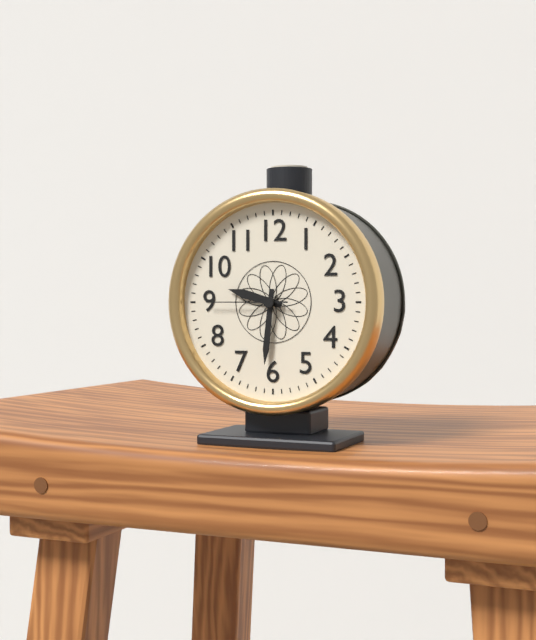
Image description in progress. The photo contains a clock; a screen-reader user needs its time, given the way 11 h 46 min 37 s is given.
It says 9 h 31 min 45 s
